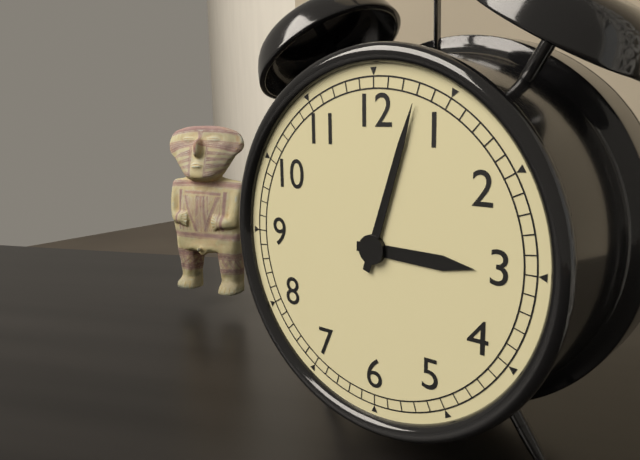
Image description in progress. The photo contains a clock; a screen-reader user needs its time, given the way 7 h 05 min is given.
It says 3 h 03 min
